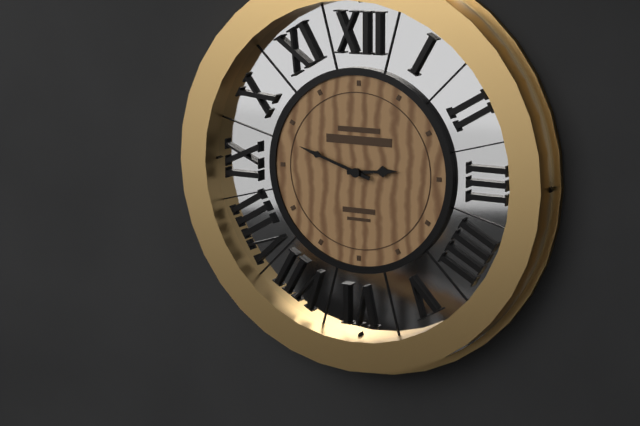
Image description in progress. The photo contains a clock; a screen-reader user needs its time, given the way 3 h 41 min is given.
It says 2 h 48 min
